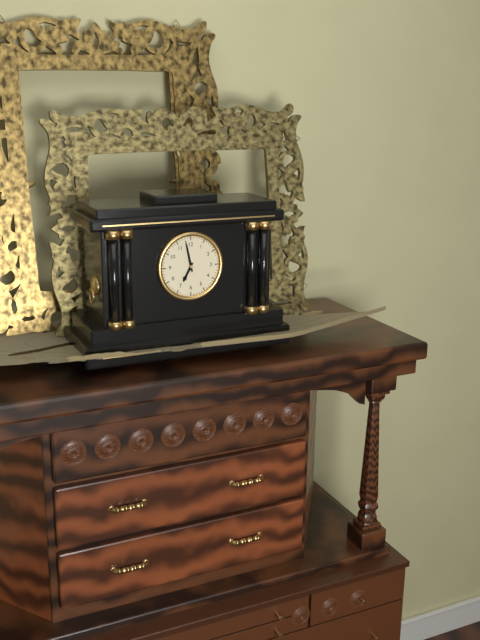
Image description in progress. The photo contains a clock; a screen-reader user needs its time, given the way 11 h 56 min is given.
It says 6 h 58 min
